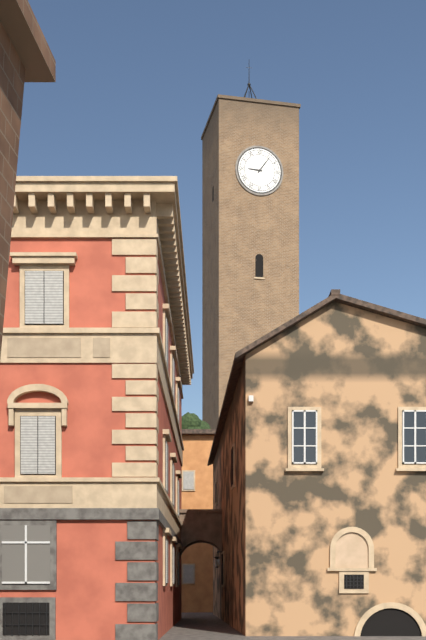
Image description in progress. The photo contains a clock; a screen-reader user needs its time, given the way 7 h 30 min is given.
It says 9 h 06 min
